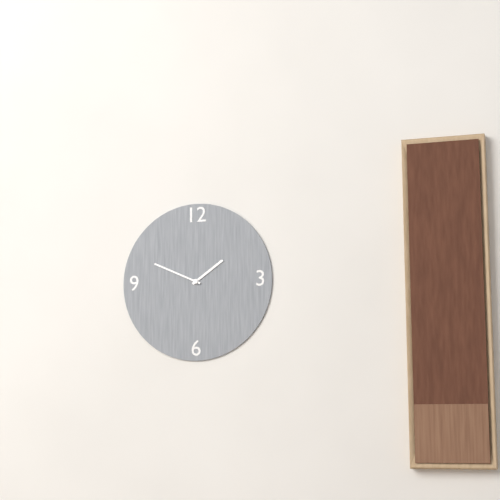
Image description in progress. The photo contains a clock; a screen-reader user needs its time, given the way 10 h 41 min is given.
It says 1 h 49 min
